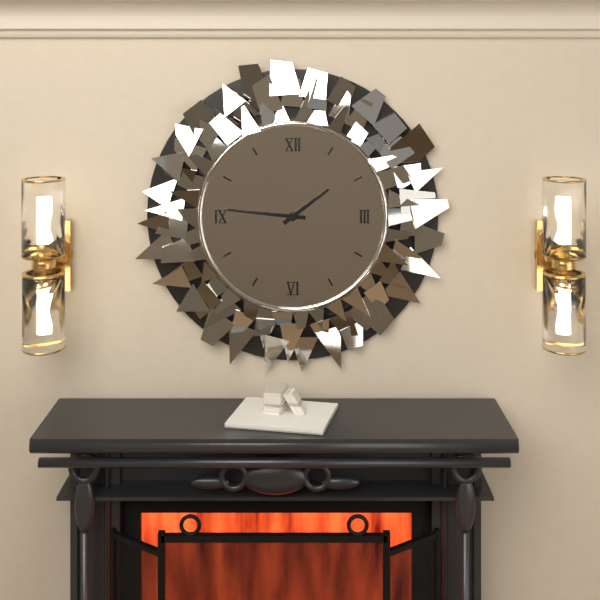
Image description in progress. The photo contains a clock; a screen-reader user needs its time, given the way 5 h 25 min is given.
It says 1 h 46 min
